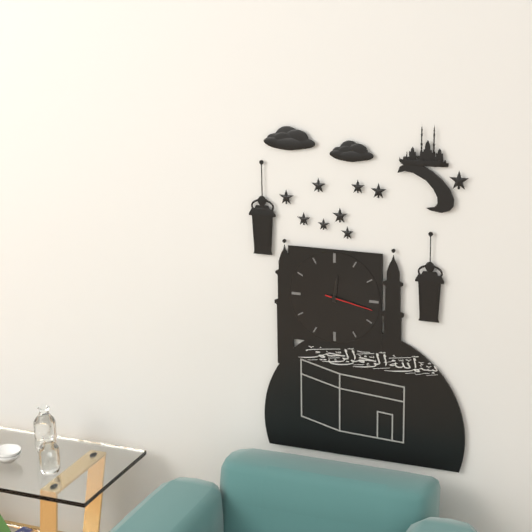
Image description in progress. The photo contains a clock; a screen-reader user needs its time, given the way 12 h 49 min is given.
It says 12 h 17 min
